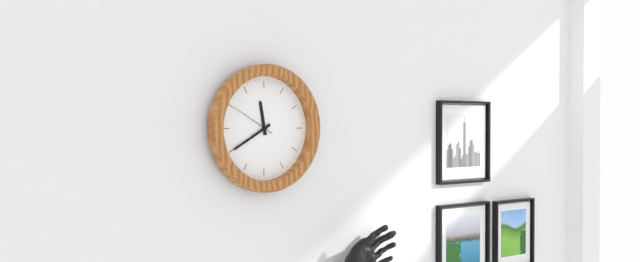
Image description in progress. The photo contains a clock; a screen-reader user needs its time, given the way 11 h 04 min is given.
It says 11 h 40 min
